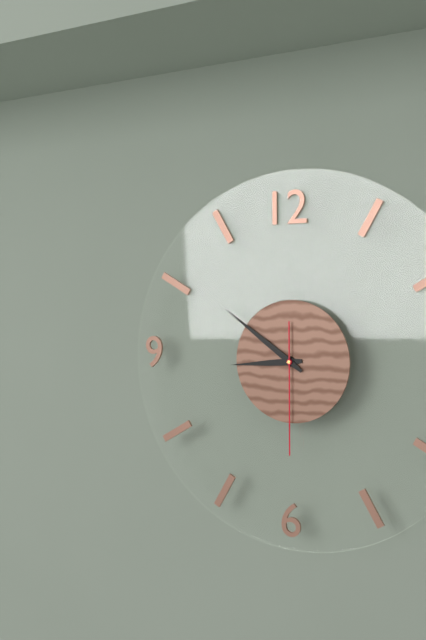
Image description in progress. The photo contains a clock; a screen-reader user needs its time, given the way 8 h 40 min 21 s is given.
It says 8 h 51 min 30 s
